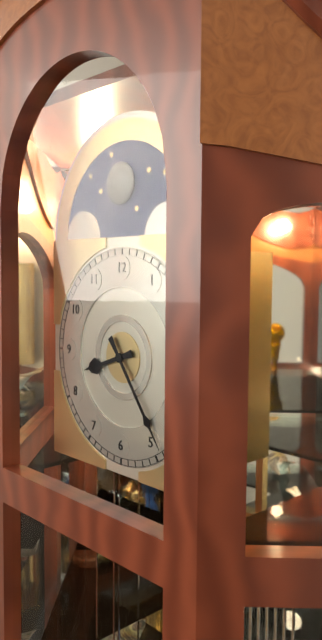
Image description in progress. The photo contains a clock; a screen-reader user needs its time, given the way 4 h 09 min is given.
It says 8 h 24 min
